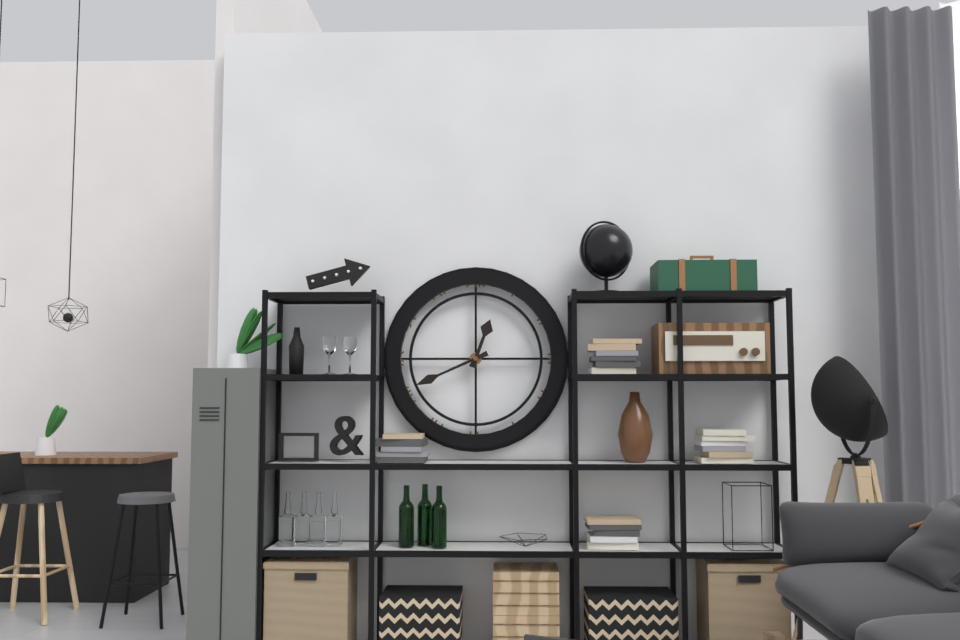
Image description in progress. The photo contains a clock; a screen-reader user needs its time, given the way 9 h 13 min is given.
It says 12 h 41 min
